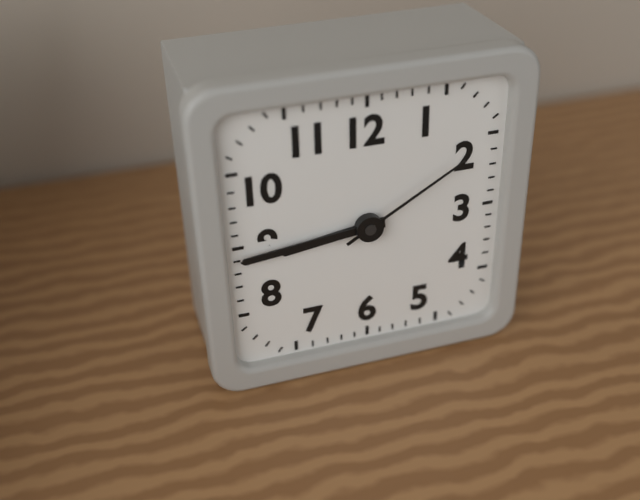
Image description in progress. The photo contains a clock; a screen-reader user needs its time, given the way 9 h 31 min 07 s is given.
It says 8 h 44 min 10 s
